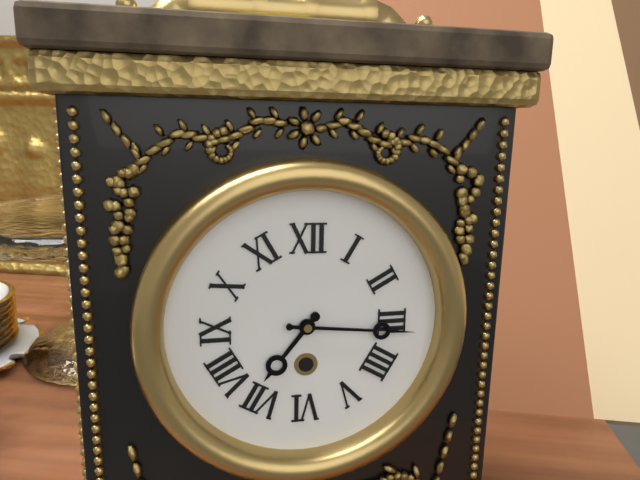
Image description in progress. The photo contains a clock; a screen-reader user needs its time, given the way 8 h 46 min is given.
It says 7 h 16 min
